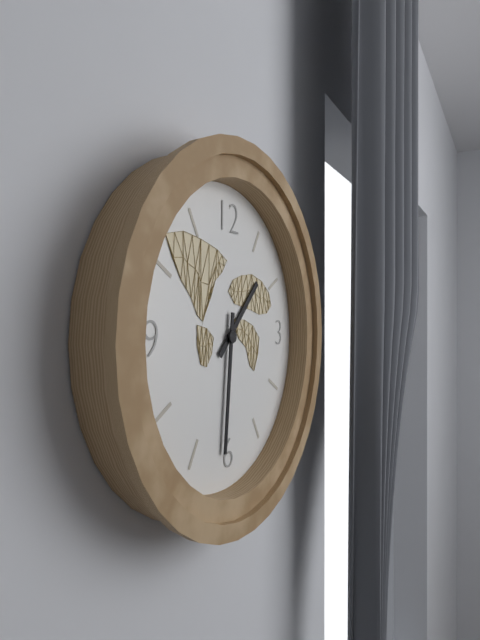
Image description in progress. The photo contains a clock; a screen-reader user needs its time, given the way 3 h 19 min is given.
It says 1 h 31 min
